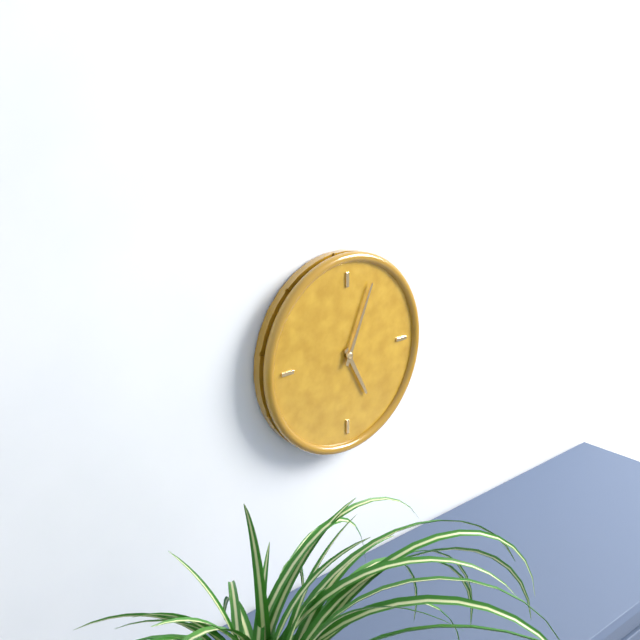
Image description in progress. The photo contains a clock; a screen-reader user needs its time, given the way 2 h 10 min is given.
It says 5 h 04 min
